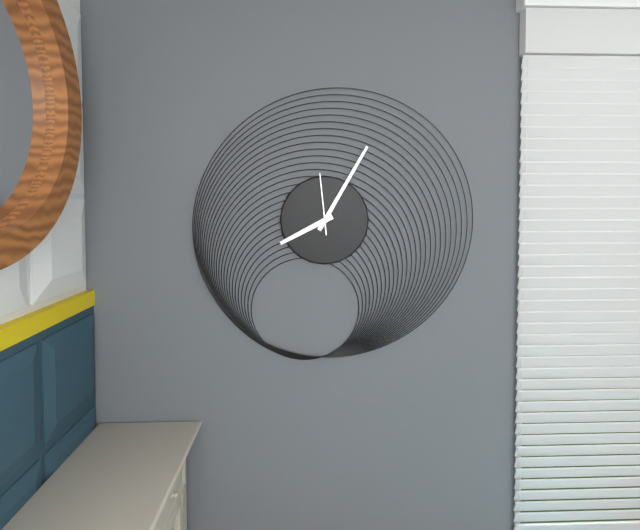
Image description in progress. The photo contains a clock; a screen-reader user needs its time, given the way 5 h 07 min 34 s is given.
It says 8 h 05 min 59 s
